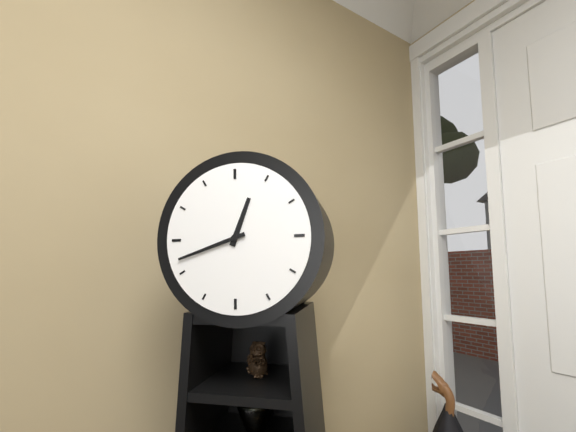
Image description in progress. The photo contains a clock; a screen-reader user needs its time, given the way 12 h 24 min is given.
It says 12 h 42 min
